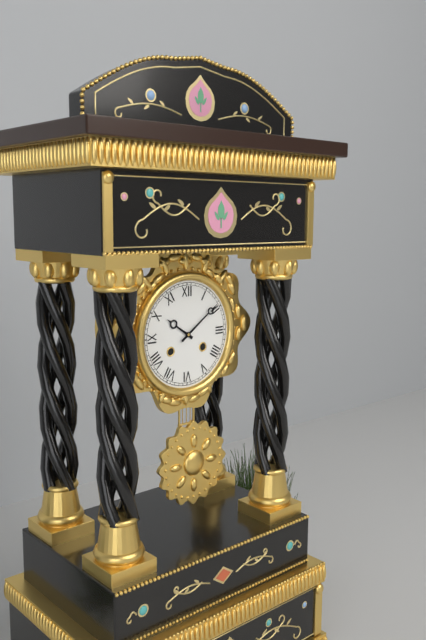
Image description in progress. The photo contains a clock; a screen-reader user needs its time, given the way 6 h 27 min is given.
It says 10 h 09 min
